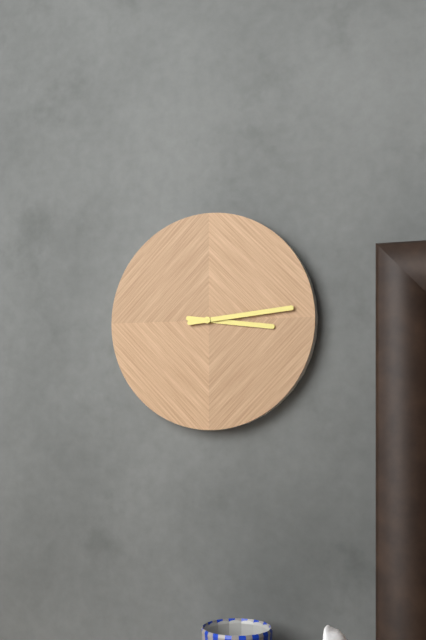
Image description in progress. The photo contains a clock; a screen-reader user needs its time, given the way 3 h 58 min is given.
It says 3 h 14 min
